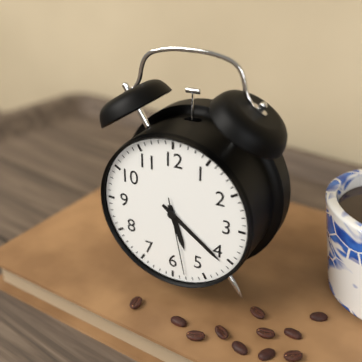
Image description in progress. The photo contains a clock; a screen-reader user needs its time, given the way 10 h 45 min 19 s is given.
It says 5 h 21 min 28 s
